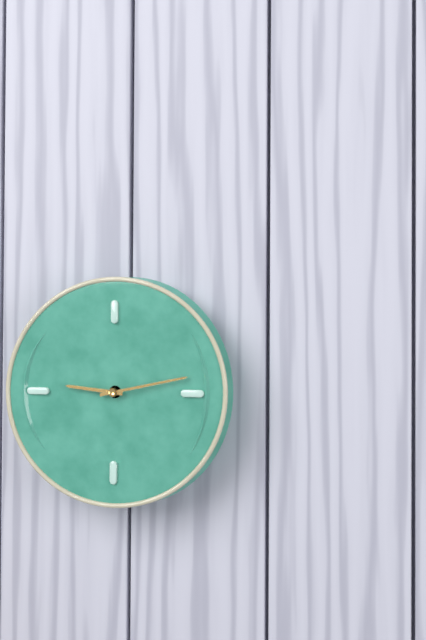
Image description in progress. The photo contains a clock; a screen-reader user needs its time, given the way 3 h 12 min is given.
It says 9 h 13 min
